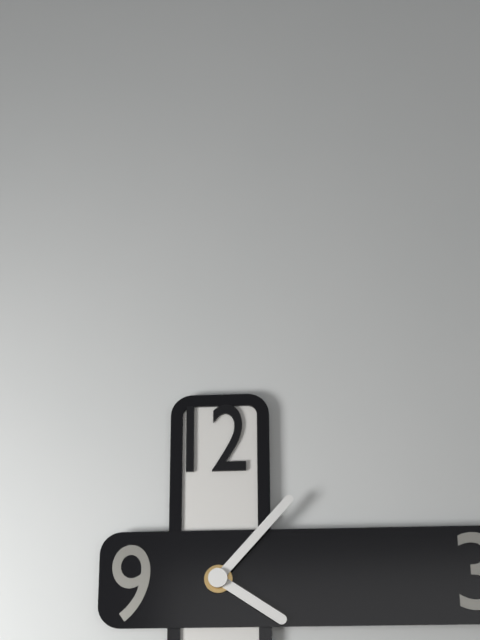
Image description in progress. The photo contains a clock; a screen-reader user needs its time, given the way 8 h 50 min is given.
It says 4 h 07 min
